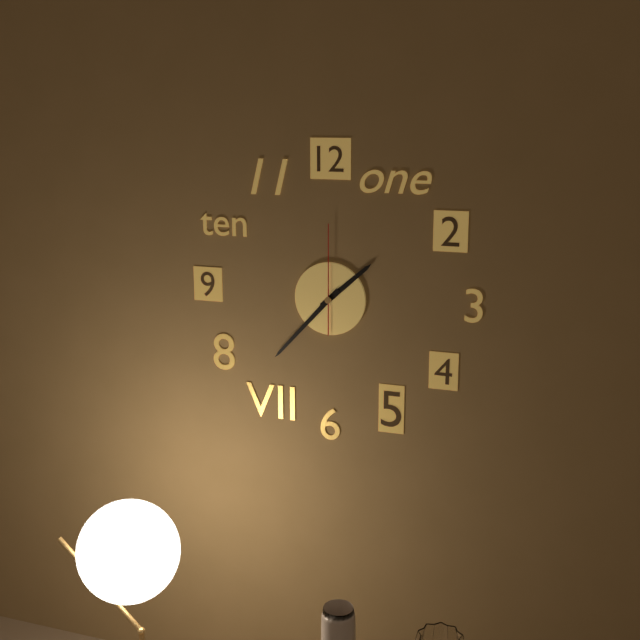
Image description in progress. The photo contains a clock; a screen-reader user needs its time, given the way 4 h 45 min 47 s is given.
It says 1 h 37 min 00 s
